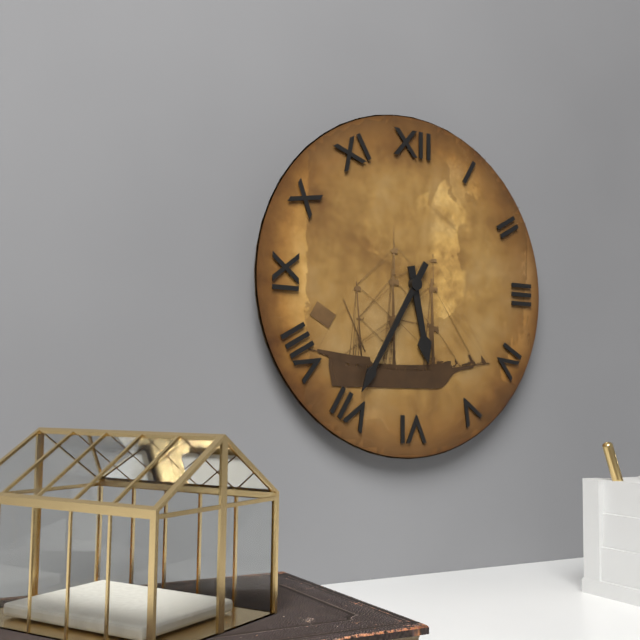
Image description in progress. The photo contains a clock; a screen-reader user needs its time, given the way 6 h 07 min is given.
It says 5 h 35 min
